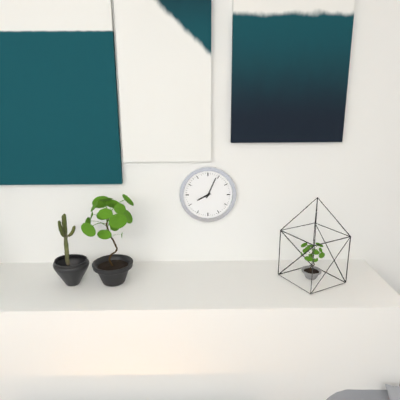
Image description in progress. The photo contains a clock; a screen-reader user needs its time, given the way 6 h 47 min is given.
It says 8 h 04 min
